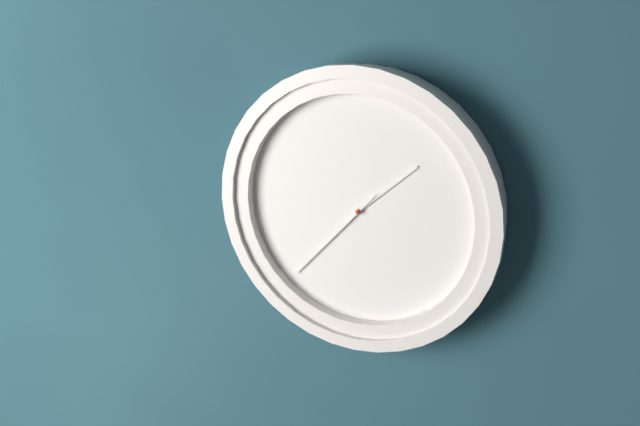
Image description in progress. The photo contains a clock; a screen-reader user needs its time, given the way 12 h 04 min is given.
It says 1 h 37 min
